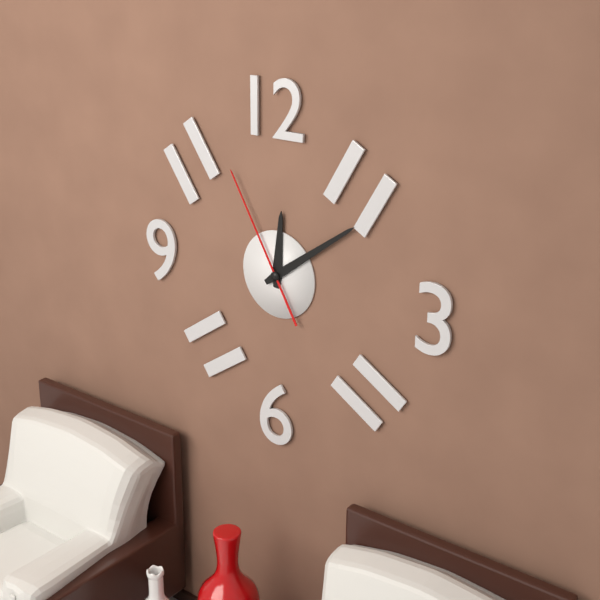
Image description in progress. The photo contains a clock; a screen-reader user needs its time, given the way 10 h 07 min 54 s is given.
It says 12 h 09 min 55 s
